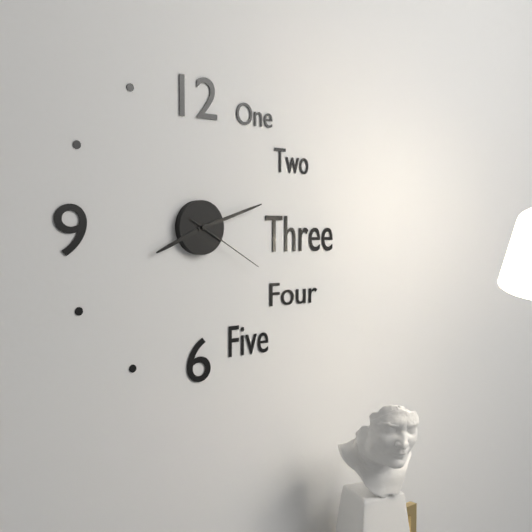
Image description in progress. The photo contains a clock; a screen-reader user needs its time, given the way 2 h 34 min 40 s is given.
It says 8 h 12 min 20 s
